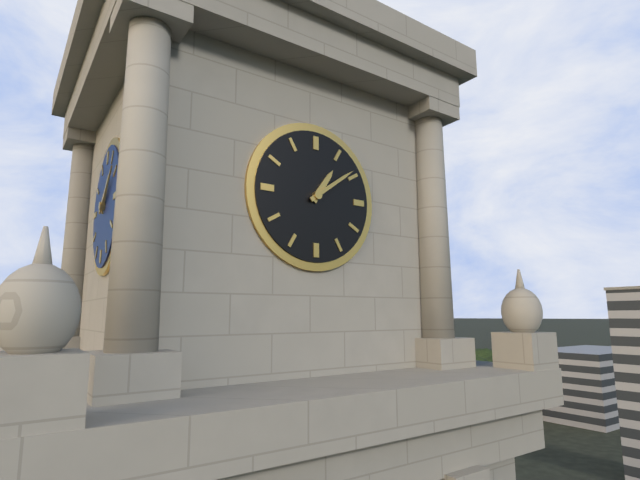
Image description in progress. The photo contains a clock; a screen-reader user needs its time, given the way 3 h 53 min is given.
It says 1 h 09 min
